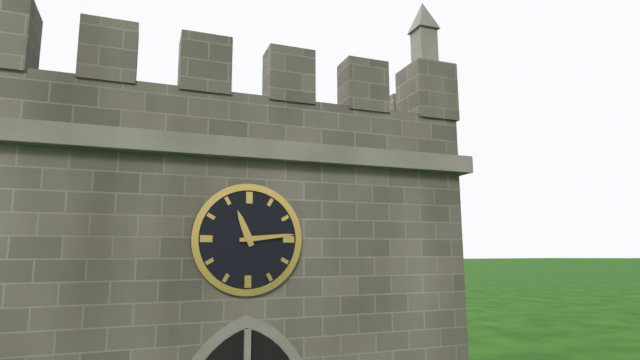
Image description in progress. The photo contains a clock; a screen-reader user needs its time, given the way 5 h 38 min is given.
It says 11 h 14 min
